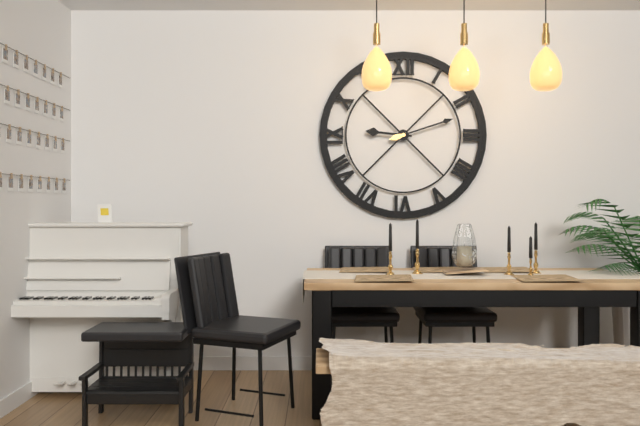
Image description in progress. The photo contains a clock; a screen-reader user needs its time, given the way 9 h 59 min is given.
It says 9 h 12 min
